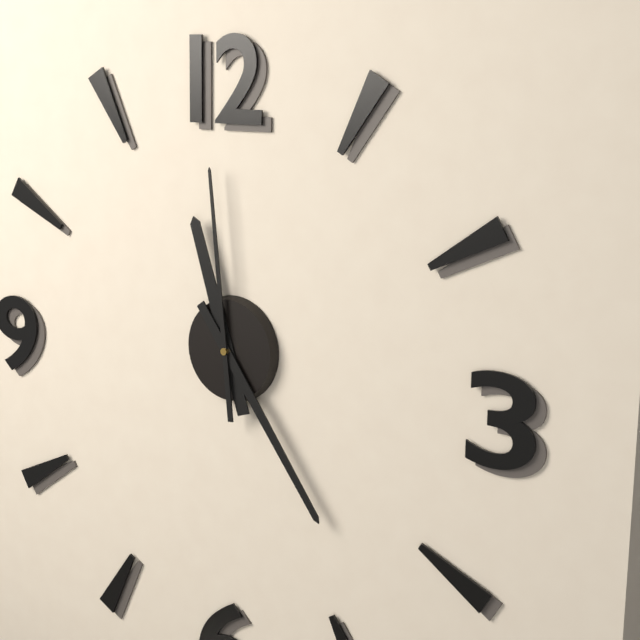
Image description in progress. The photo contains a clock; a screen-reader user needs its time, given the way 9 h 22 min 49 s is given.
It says 11 h 24 min 59 s
